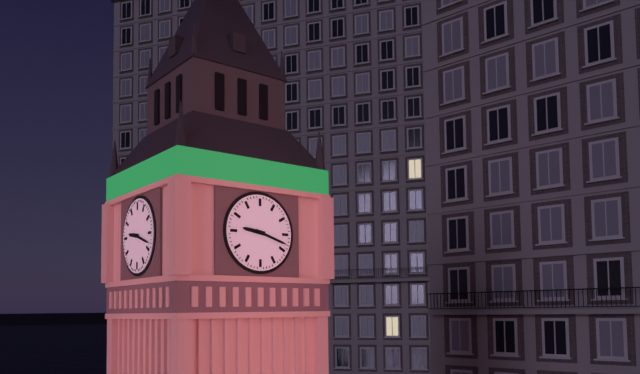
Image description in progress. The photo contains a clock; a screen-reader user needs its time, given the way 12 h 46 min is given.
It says 9 h 18 min
